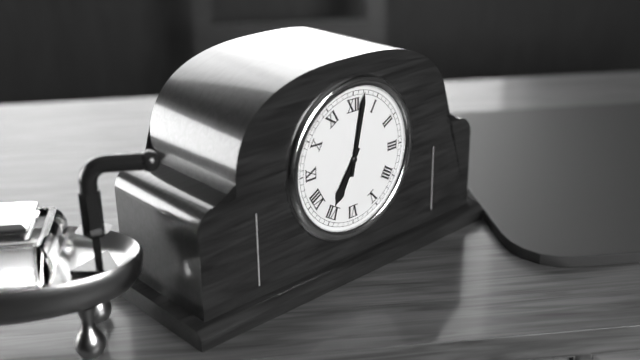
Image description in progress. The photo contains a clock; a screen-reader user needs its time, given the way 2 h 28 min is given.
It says 7 h 02 min
